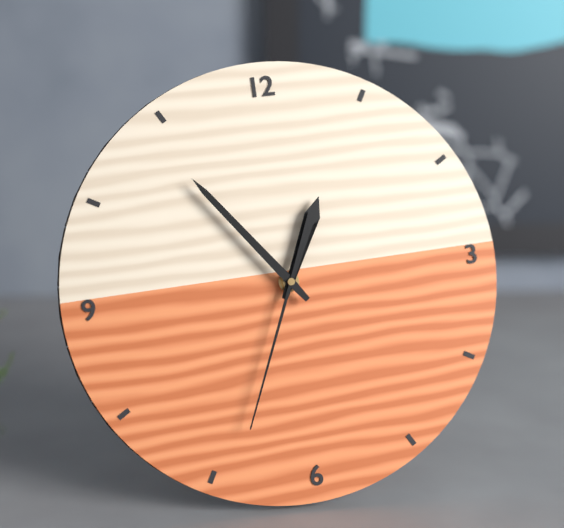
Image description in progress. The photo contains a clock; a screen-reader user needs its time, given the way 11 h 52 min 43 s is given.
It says 12 h 54 min 34 s
